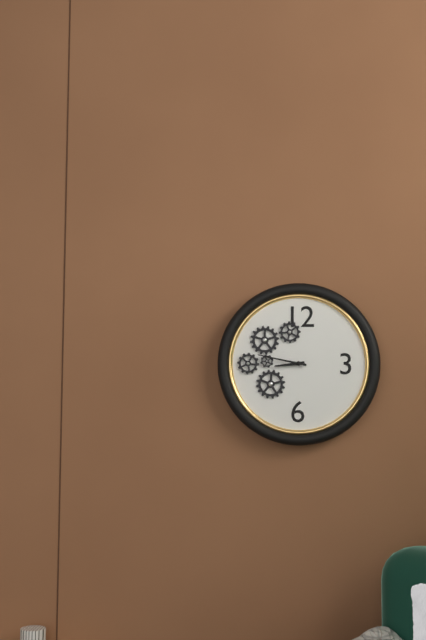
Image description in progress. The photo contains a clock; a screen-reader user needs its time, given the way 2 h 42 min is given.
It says 8 h 47 min
